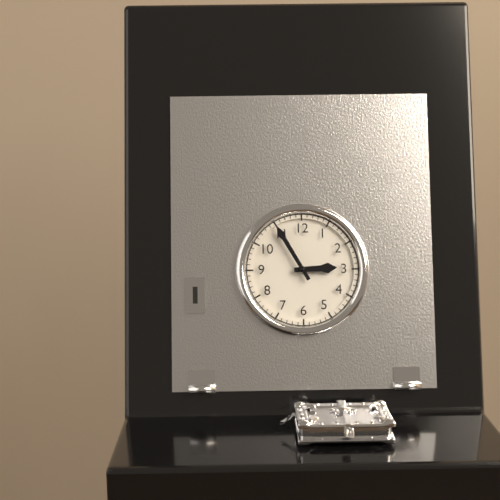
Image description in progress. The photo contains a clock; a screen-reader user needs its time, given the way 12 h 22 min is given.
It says 2 h 55 min
